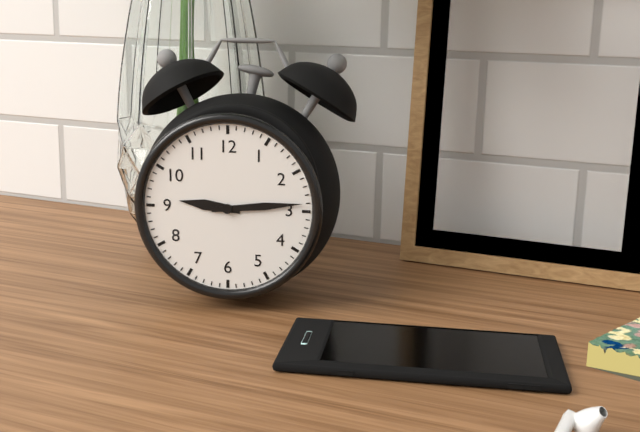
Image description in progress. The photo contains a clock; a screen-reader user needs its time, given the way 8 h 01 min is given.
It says 9 h 14 min
